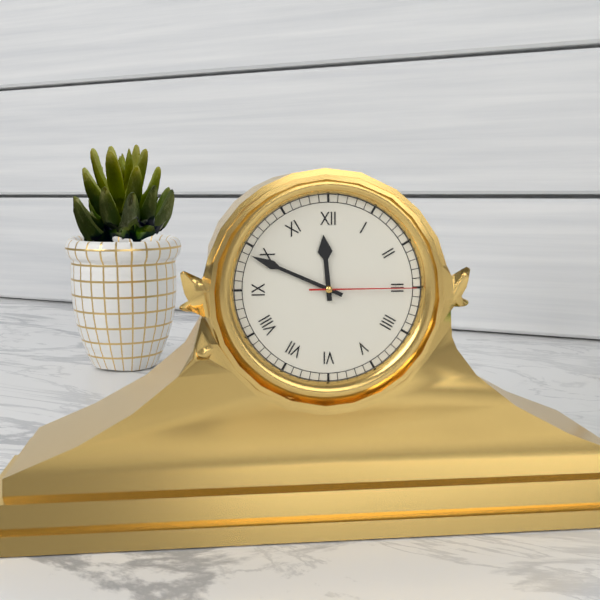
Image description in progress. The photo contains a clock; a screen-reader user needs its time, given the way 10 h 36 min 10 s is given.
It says 11 h 49 min 15 s
